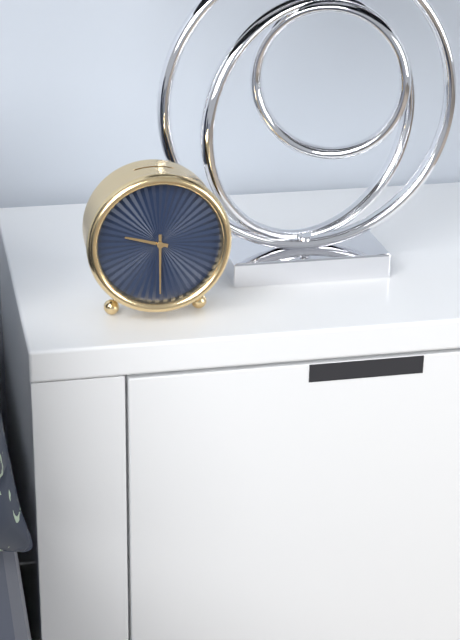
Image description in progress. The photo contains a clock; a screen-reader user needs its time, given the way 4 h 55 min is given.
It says 9 h 30 min
